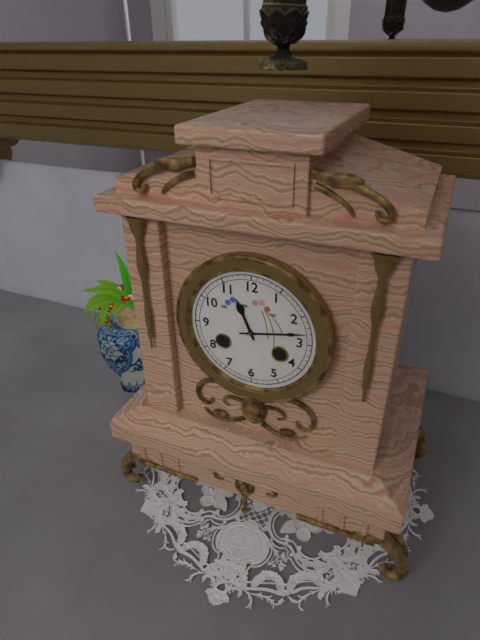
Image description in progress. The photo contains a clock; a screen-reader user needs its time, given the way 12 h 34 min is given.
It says 11 h 13 min
